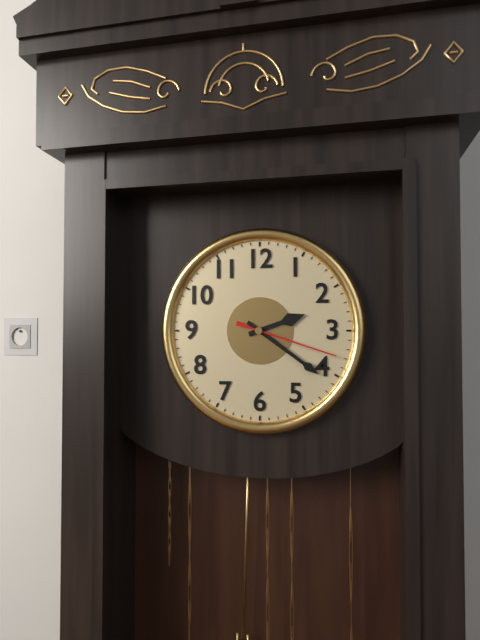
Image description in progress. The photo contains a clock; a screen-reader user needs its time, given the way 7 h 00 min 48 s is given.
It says 2 h 21 min 18 s
